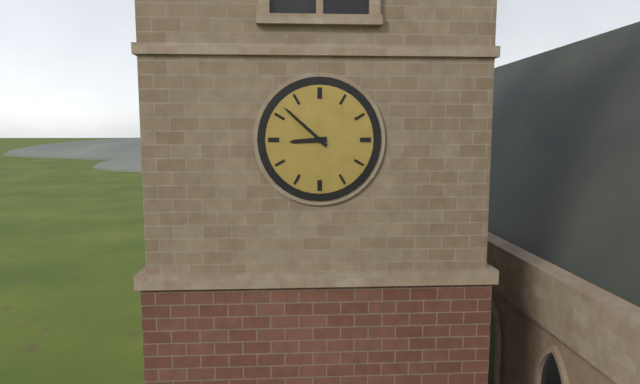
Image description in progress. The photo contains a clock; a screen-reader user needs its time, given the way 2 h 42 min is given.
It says 8 h 52 min
